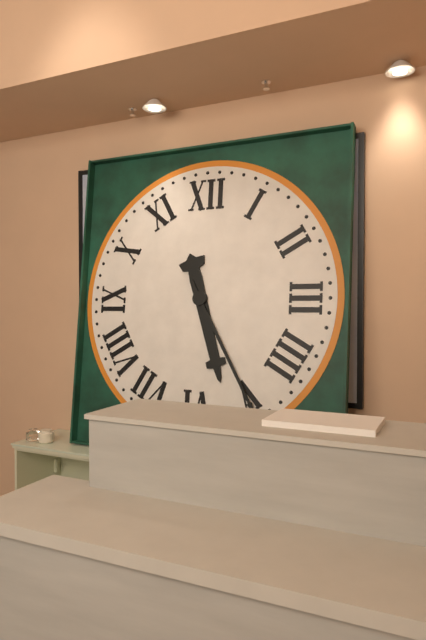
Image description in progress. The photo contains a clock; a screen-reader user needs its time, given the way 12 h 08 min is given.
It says 5 h 25 min
